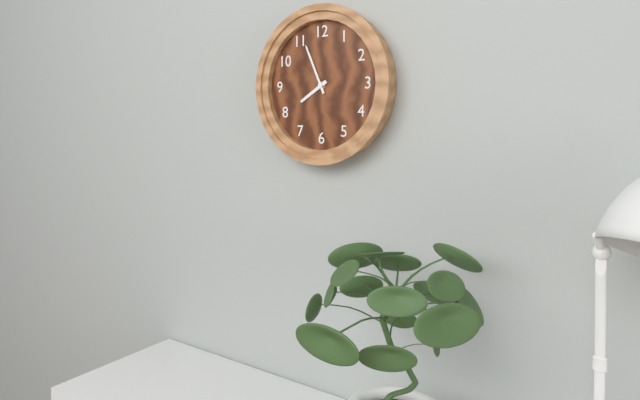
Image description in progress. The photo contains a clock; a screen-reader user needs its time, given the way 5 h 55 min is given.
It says 7 h 56 min
